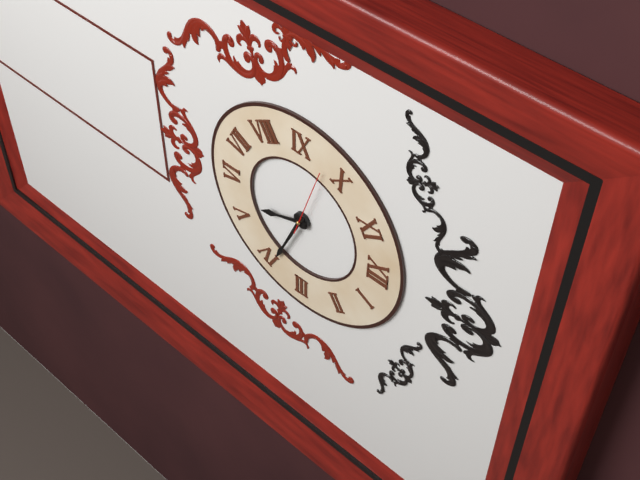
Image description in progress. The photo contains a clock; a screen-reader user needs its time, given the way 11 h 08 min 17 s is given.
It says 5 h 19 min 48 s
